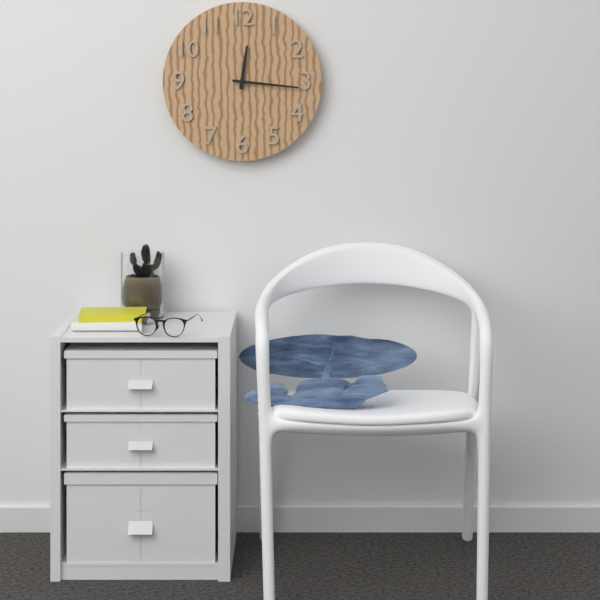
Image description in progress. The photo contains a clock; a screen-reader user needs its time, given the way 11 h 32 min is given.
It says 12 h 16 min
